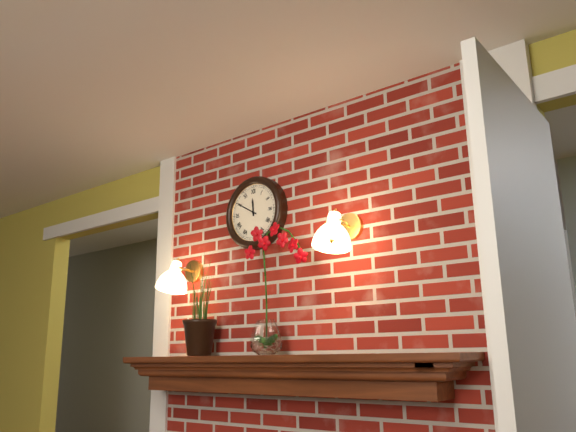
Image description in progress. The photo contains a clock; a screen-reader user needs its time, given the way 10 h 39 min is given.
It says 11 h 50 min
